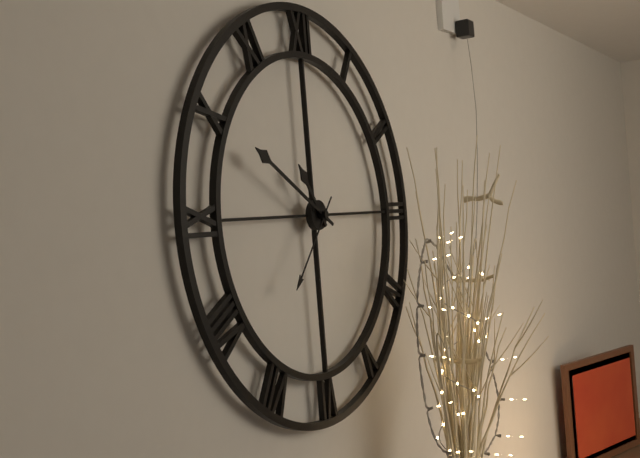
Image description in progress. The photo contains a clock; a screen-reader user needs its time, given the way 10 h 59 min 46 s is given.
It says 10 h 50 min 37 s
